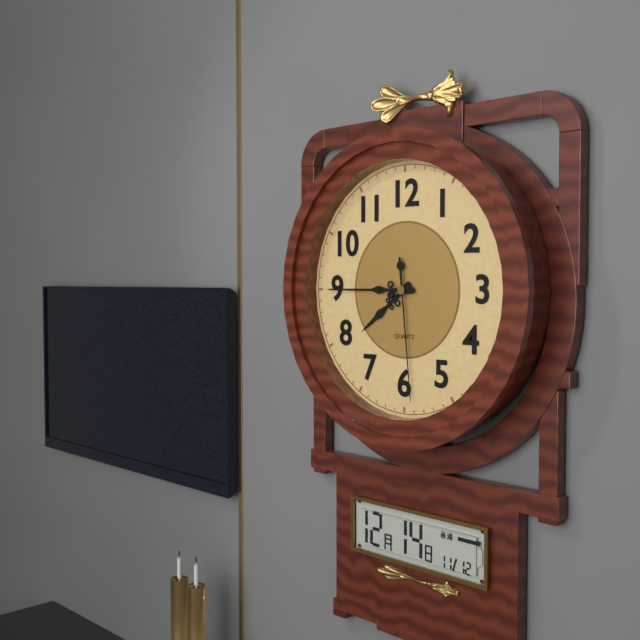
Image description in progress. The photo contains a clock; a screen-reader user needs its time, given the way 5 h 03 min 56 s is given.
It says 7 h 45 min 29 s
